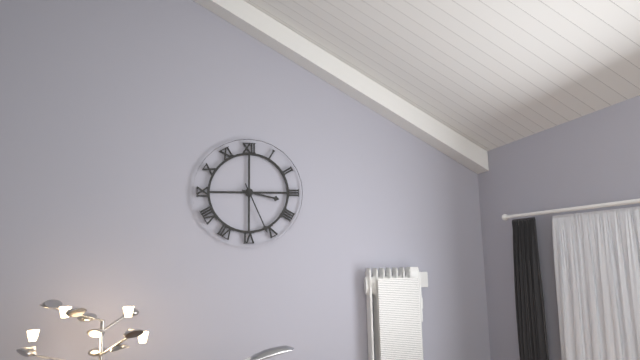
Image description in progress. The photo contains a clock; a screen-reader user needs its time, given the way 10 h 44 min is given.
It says 3 h 26 min
